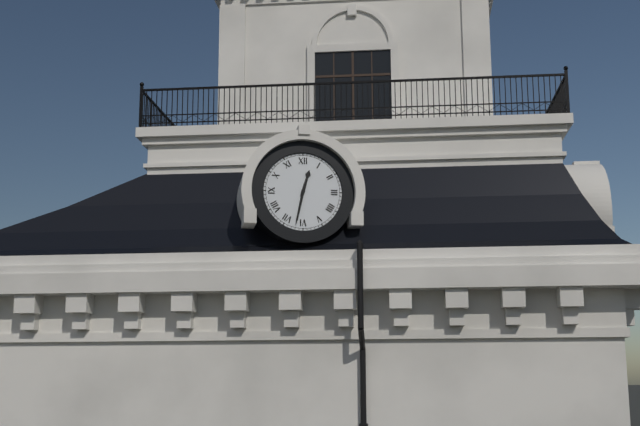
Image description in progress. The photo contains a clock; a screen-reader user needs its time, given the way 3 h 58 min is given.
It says 12 h 32 min
